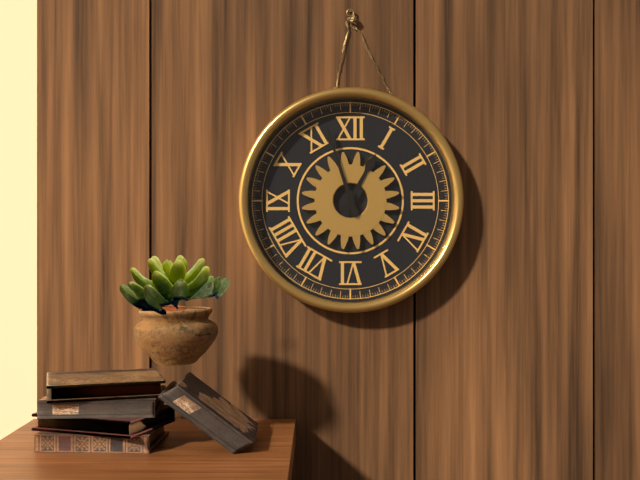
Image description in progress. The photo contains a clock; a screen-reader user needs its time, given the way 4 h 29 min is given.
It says 12 h 57 min
